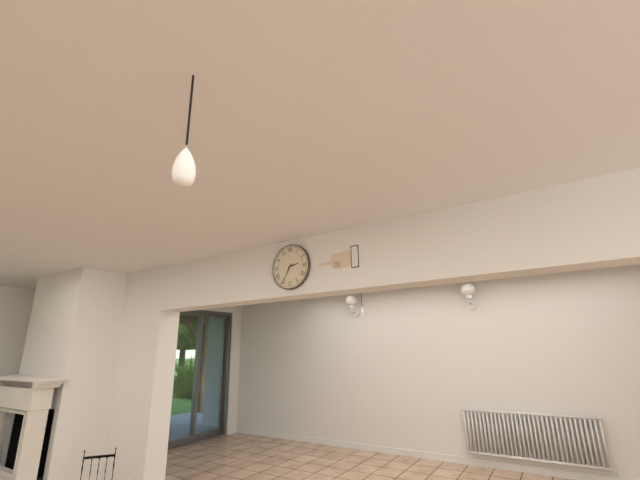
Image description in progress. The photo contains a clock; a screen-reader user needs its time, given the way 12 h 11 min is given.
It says 2 h 35 min
